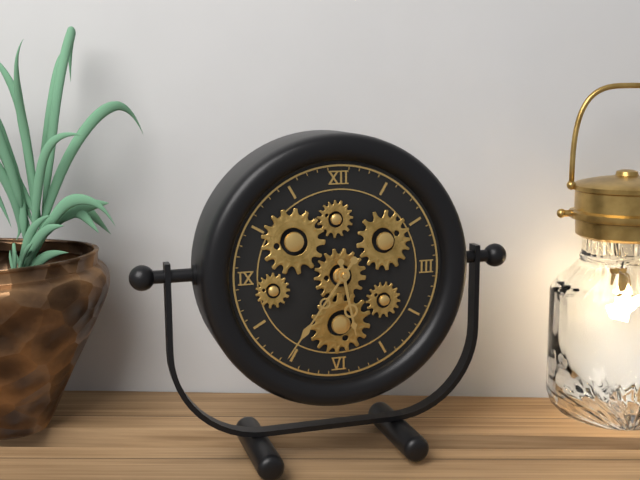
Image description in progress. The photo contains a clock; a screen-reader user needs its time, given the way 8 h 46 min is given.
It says 5 h 36 min
